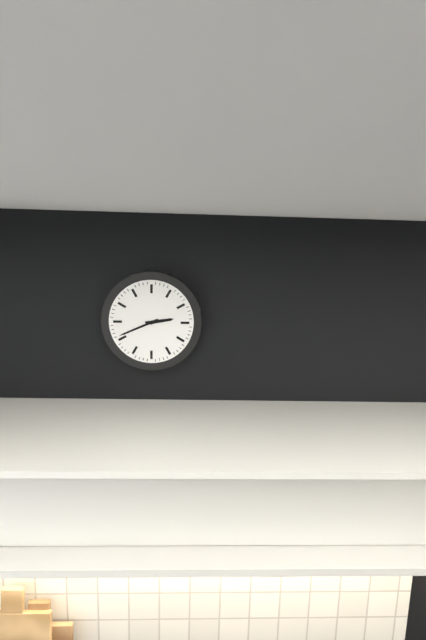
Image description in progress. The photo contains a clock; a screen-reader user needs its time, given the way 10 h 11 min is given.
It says 2 h 41 min
